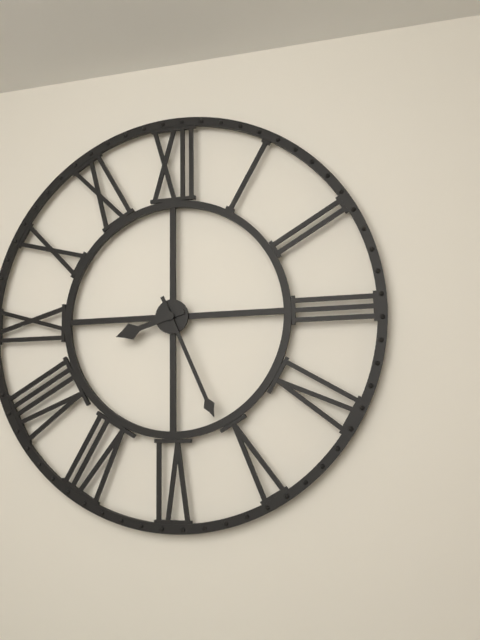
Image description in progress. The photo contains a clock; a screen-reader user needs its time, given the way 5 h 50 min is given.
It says 8 h 26 min
